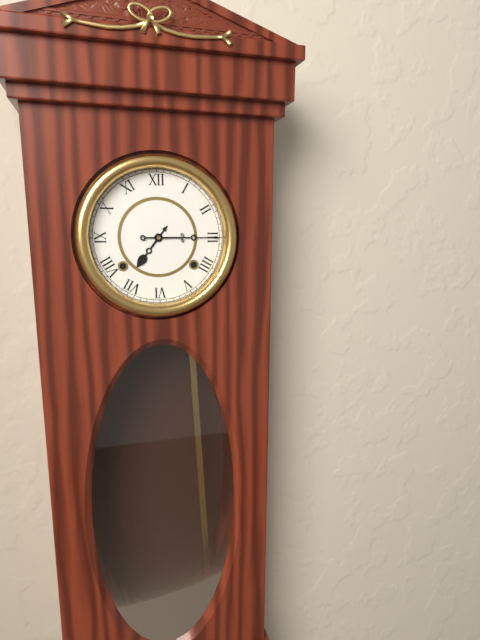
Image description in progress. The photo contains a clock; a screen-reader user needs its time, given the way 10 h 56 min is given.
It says 7 h 15 min
